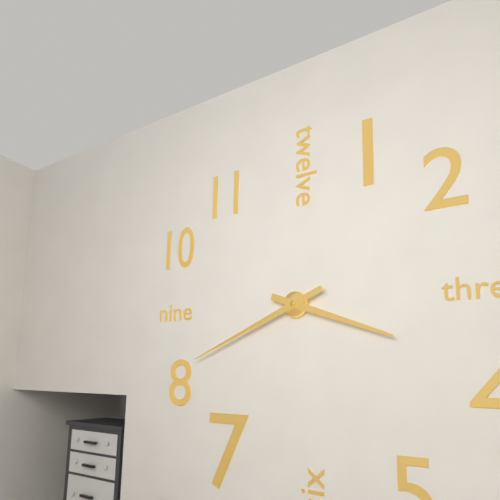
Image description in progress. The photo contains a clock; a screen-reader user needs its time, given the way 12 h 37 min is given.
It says 3 h 41 min
